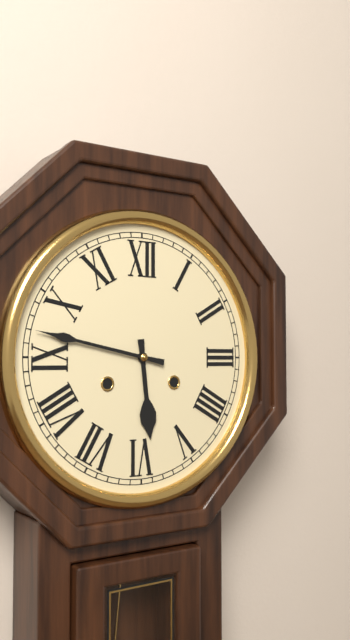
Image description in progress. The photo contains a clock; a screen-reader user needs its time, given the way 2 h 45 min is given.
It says 5 h 47 min
